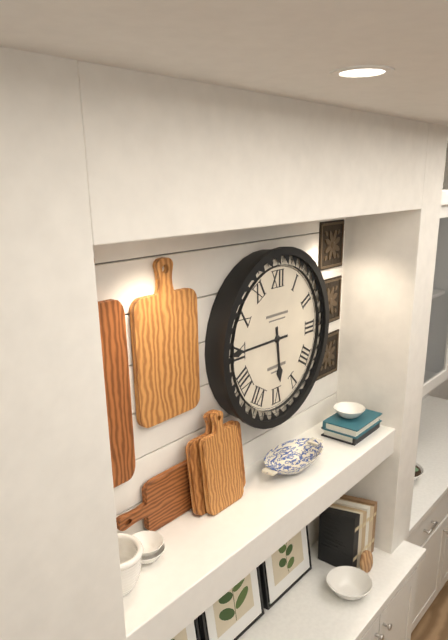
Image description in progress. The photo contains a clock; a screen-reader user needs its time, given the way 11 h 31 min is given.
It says 5 h 45 min
